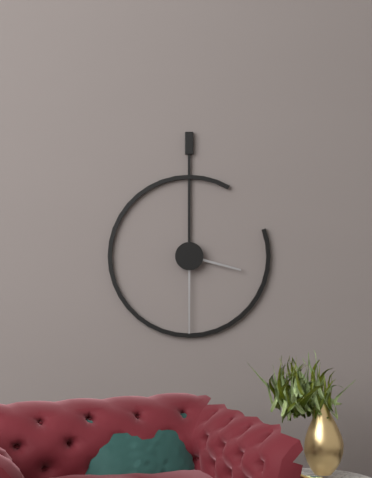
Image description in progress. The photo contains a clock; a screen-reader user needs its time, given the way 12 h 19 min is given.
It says 3 h 30 min
